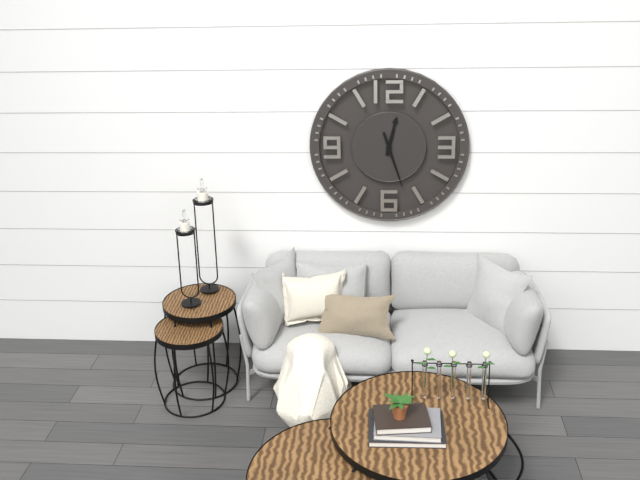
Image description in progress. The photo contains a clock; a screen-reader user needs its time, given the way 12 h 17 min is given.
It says 12 h 27 min
